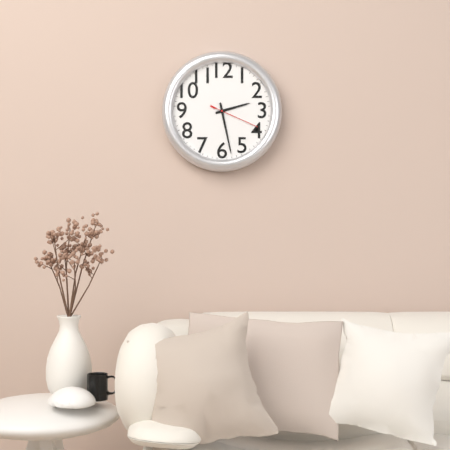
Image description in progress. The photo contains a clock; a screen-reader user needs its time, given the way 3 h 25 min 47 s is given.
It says 2 h 28 min 19 s
